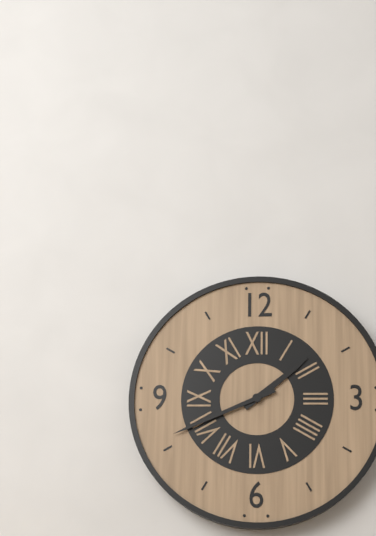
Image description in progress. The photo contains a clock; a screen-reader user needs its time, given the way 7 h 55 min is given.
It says 1 h 41 min
